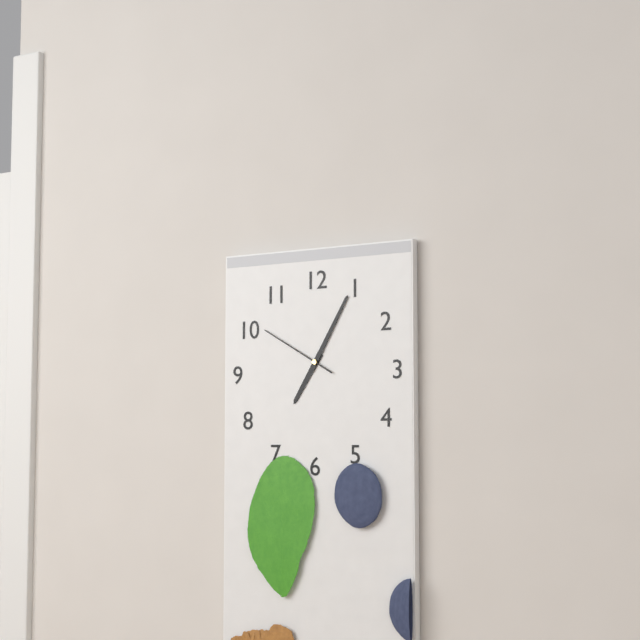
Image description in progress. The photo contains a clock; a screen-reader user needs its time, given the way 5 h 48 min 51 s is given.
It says 7 h 05 min 50 s
